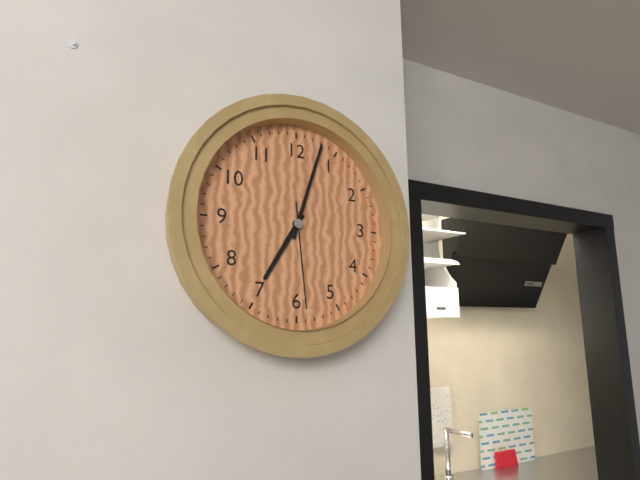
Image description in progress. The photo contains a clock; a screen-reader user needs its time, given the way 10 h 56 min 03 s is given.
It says 7 h 03 min 29 s
